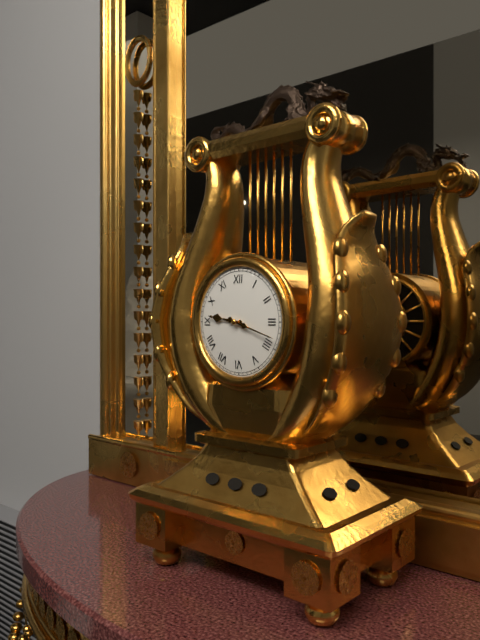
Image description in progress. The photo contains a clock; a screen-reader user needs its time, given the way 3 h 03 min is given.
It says 9 h 18 min
